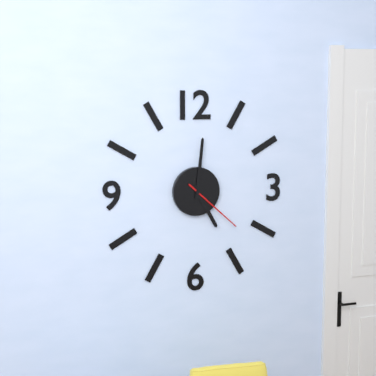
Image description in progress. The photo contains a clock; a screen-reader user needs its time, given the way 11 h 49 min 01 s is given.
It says 5 h 01 min 22 s
